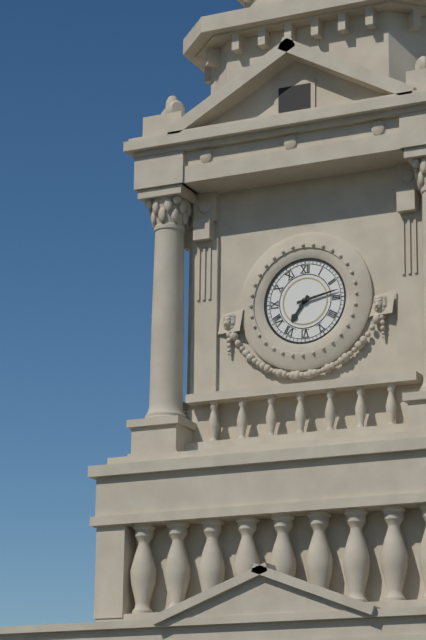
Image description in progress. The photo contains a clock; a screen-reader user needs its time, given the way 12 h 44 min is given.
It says 7 h 13 min
